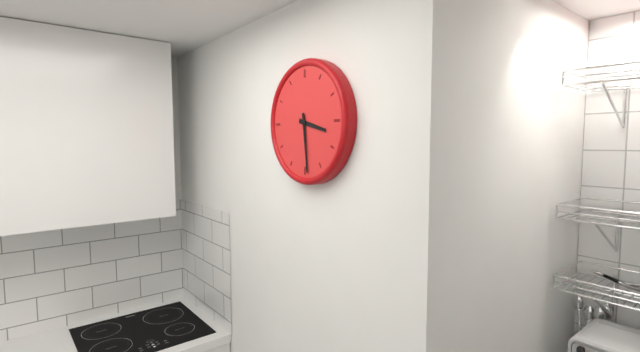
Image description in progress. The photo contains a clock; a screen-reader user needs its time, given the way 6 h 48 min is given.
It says 3 h 29 min
